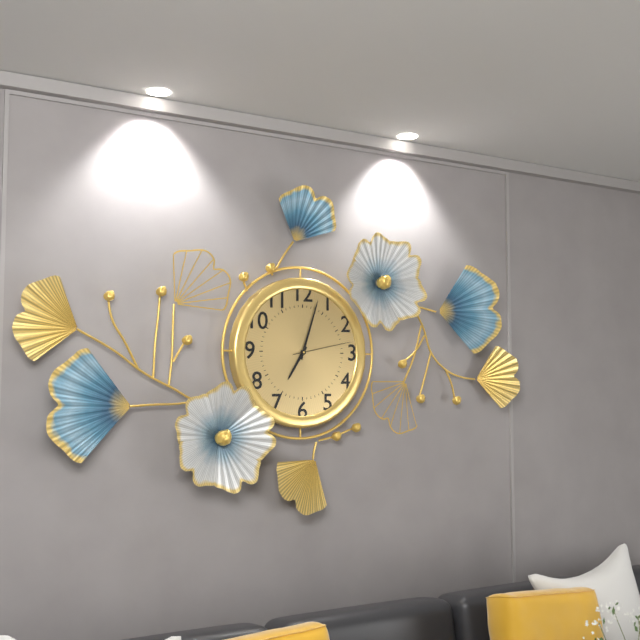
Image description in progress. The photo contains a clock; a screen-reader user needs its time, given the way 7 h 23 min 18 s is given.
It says 7 h 03 min 13 s
